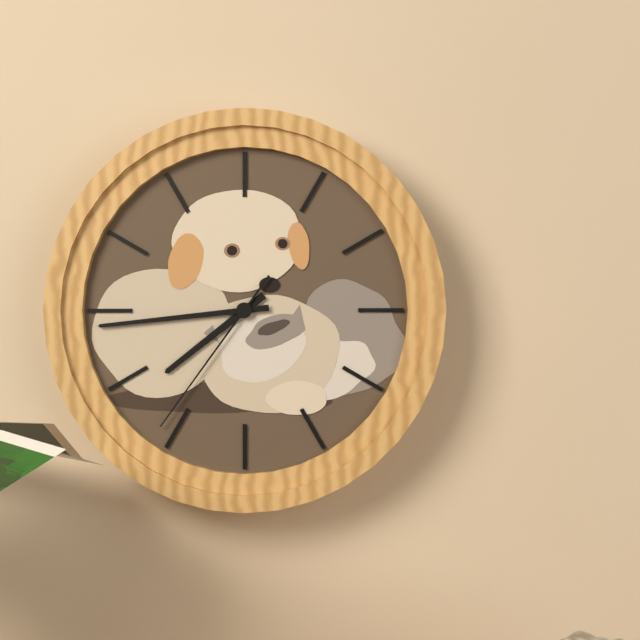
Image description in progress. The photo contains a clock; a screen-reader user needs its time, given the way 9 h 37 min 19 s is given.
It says 7 h 44 min 36 s
